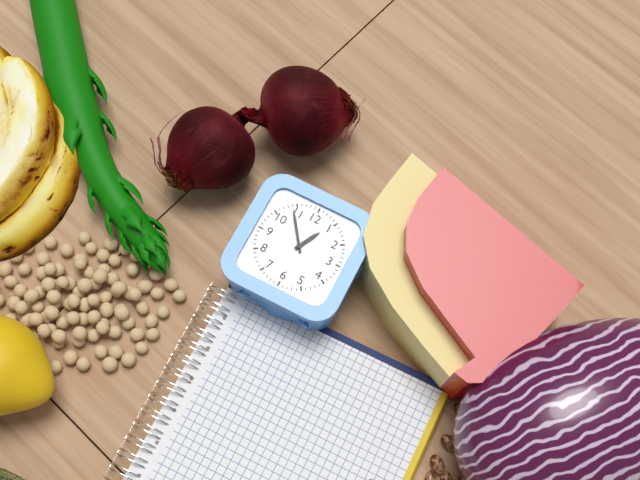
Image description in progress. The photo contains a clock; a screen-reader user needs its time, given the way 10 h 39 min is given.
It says 12 h 54 min
